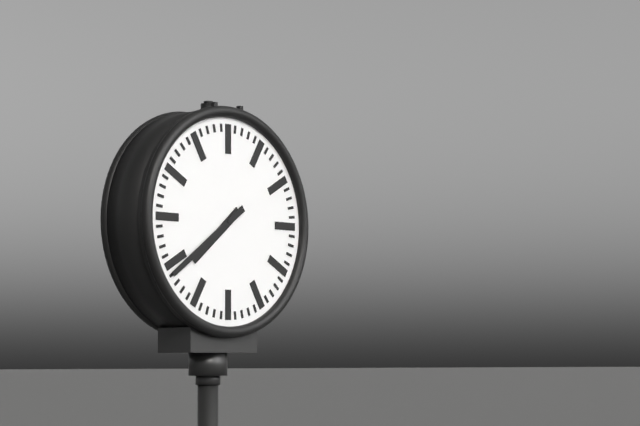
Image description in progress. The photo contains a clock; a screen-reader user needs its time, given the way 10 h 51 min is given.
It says 7 h 39 min
